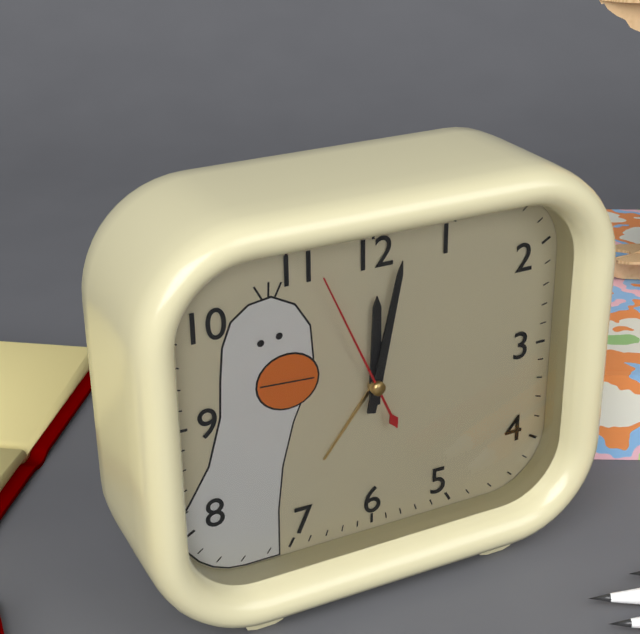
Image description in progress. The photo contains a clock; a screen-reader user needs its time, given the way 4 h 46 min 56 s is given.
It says 12 h 02 min 56 s
